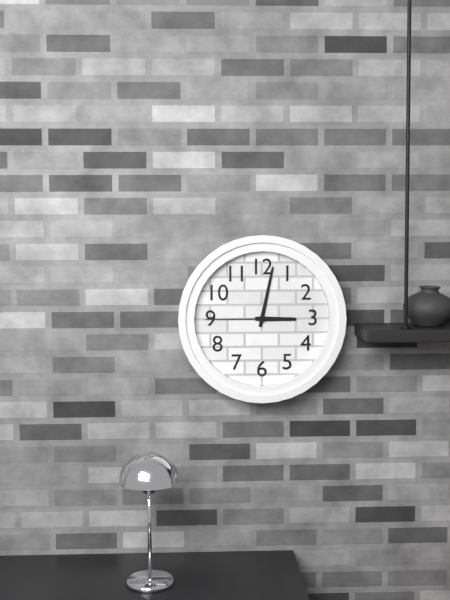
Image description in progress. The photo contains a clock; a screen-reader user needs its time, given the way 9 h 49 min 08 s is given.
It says 3 h 02 min 45 s
